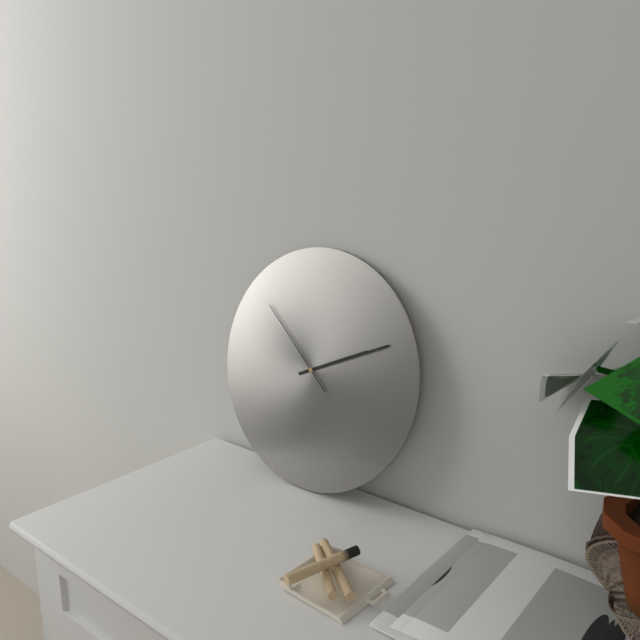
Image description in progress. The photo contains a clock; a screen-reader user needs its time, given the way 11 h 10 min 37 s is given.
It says 2 h 11 min 52 s
